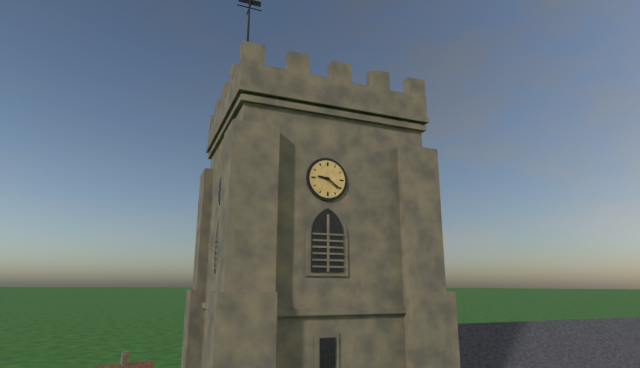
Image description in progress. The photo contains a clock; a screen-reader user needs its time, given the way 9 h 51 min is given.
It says 9 h 21 min
